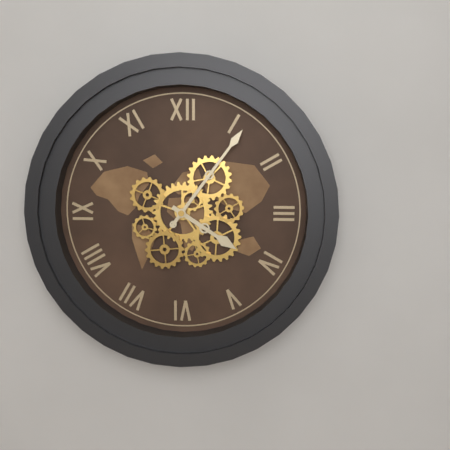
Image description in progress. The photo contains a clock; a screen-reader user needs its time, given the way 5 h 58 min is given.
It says 4 h 06 min
